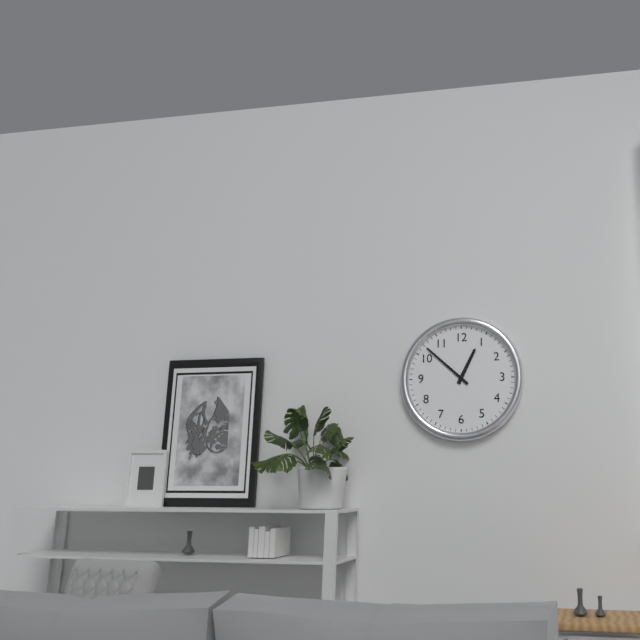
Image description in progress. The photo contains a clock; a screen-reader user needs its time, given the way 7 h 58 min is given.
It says 12 h 52 min
